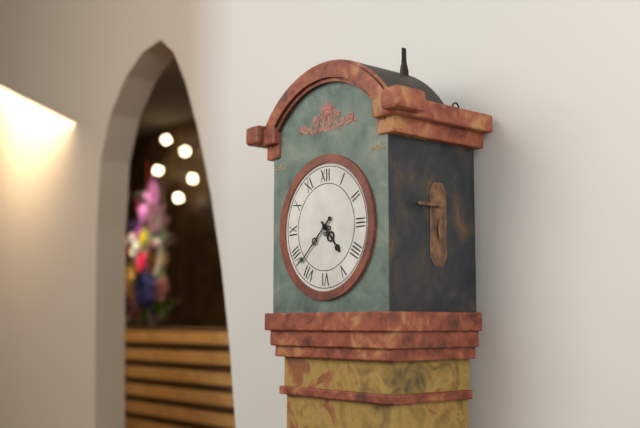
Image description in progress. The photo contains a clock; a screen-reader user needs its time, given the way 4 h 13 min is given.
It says 4 h 38 min
